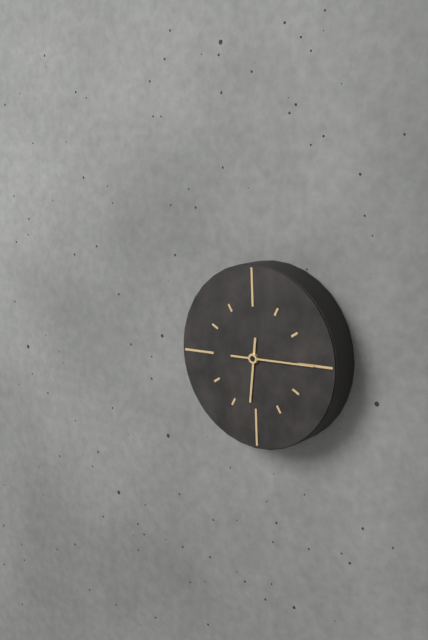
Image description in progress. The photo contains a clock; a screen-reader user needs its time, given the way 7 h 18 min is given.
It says 6 h 15 min
